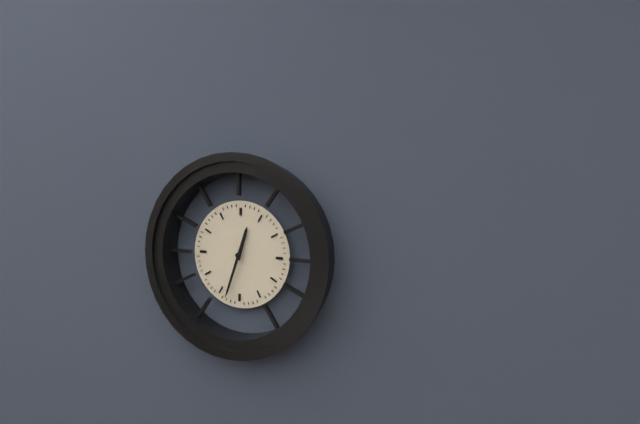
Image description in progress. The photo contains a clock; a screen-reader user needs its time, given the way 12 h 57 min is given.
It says 12 h 33 min
